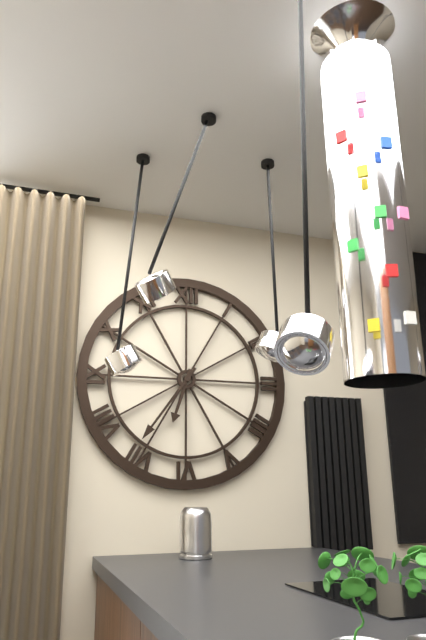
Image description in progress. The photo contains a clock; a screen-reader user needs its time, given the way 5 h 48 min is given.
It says 6 h 36 min
